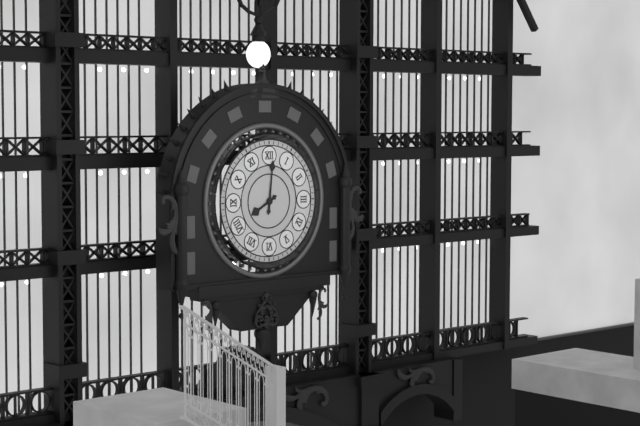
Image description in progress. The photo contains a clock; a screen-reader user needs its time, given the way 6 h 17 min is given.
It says 8 h 01 min
